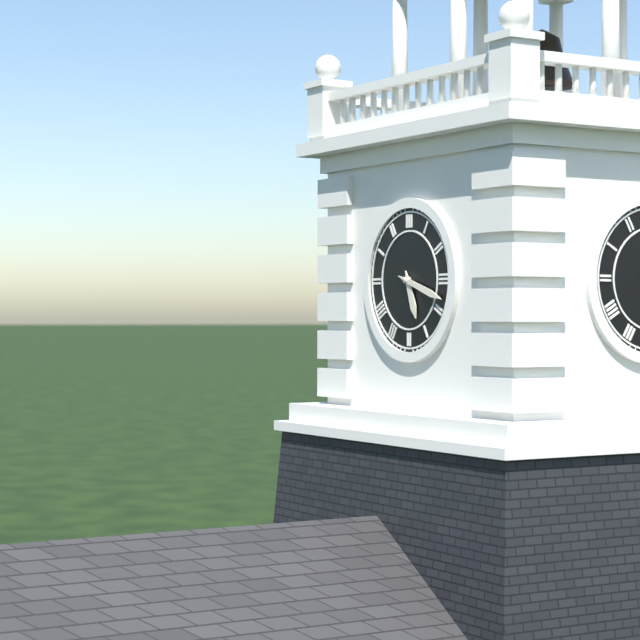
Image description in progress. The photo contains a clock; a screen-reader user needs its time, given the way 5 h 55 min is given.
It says 5 h 18 min
